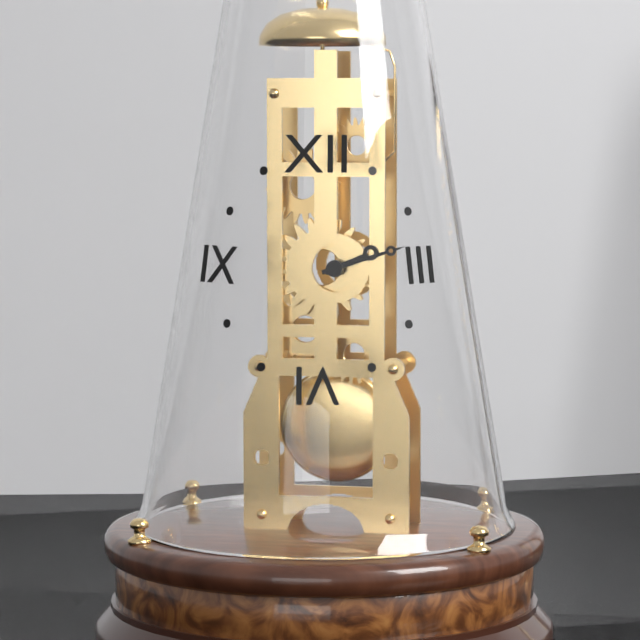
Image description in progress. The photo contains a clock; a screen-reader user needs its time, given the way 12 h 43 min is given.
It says 2 h 12 min
